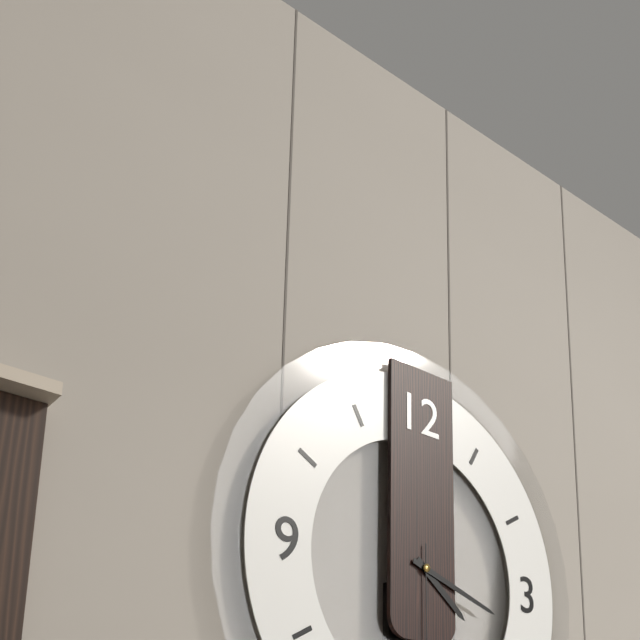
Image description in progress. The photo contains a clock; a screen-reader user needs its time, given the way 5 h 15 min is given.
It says 4 h 18 min
